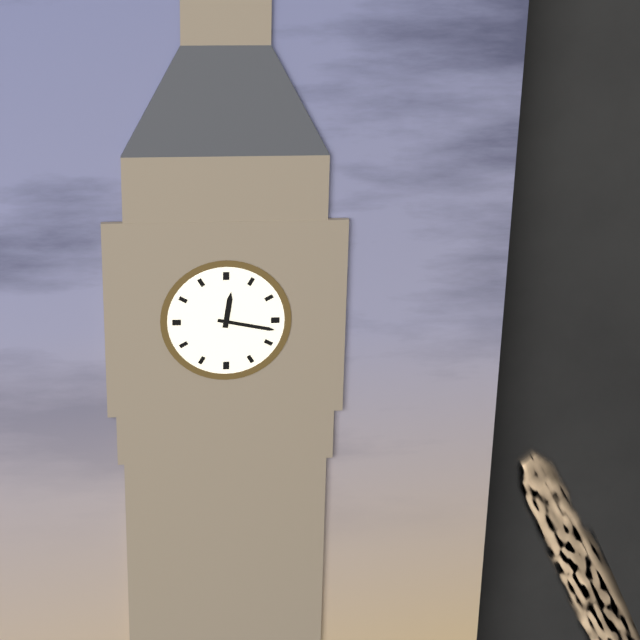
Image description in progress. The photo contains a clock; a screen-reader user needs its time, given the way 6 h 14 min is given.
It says 12 h 17 min
